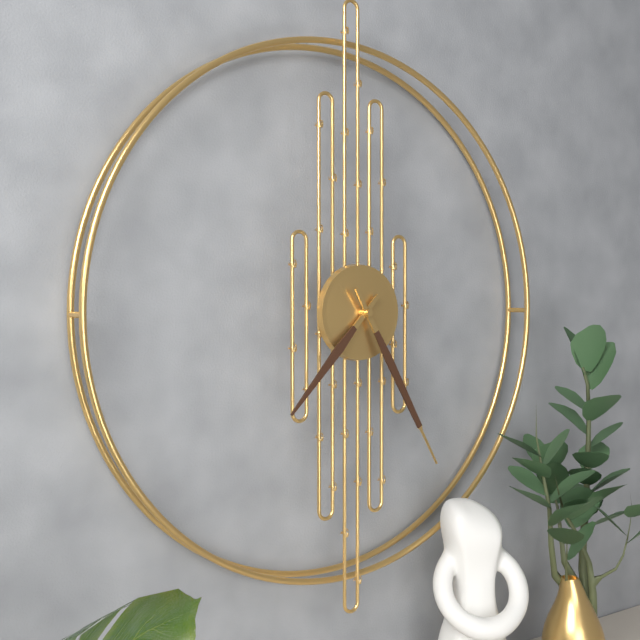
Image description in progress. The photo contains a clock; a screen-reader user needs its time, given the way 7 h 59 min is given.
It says 7 h 25 min
